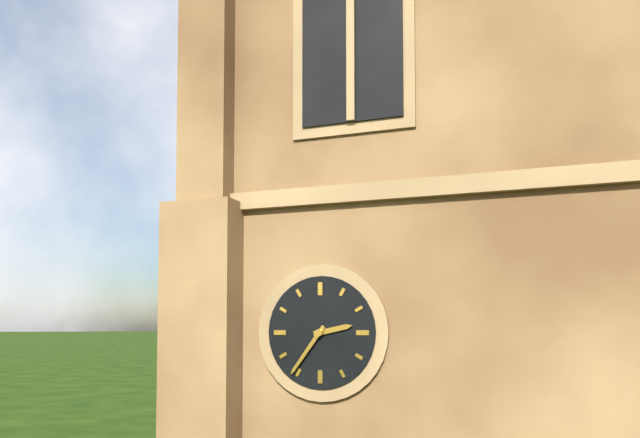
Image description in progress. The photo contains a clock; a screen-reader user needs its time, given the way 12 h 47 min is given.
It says 2 h 36 min
